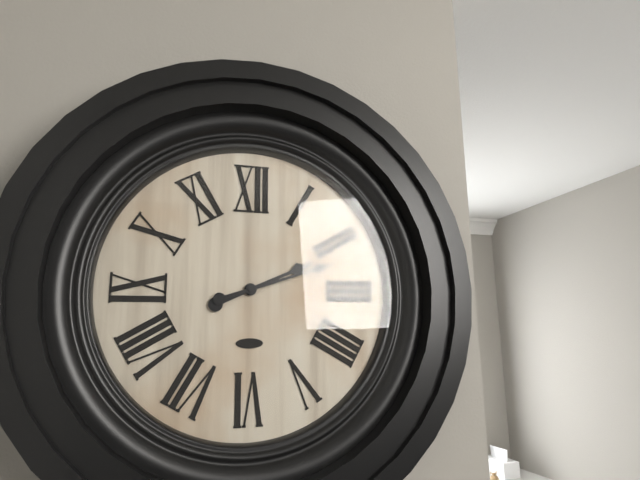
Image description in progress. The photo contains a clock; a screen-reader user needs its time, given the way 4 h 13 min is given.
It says 2 h 12 min
